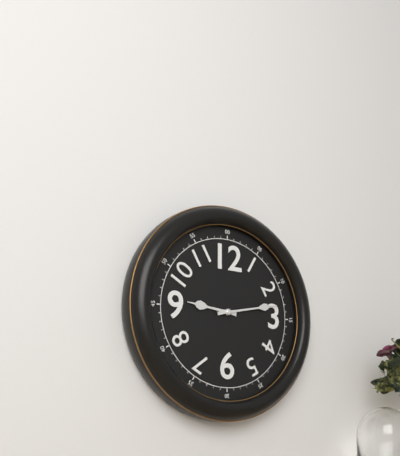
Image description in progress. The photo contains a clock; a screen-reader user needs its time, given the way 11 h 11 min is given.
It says 9 h 13 min
